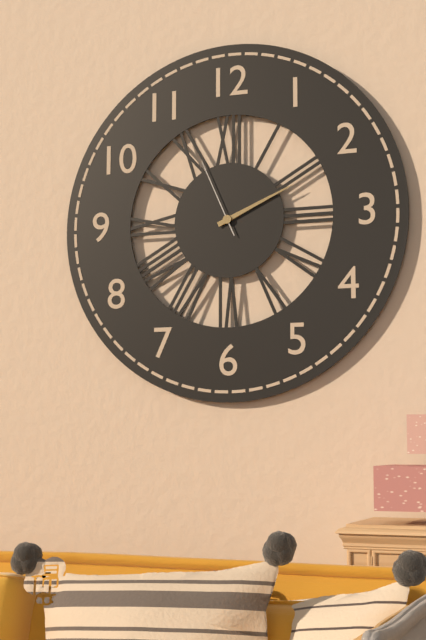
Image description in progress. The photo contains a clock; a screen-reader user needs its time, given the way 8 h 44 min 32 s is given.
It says 2 h 11 min 56 s
